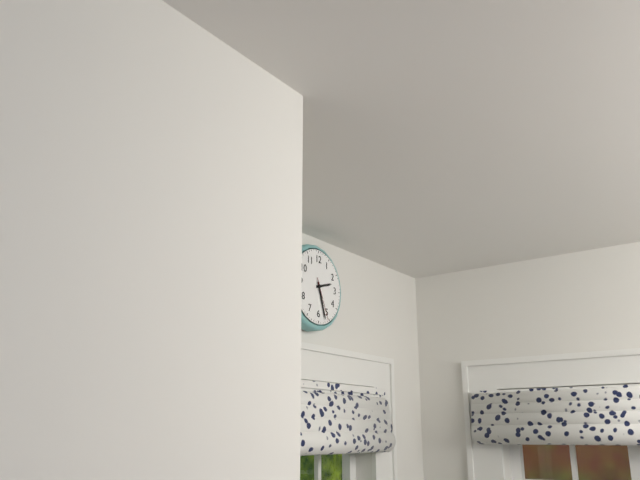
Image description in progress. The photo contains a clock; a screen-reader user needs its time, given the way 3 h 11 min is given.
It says 2 h 27 min
